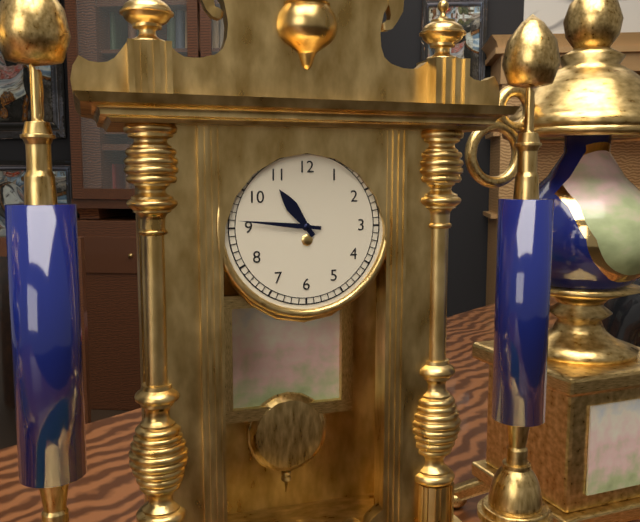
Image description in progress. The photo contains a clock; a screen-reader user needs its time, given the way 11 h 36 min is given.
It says 10 h 46 min
